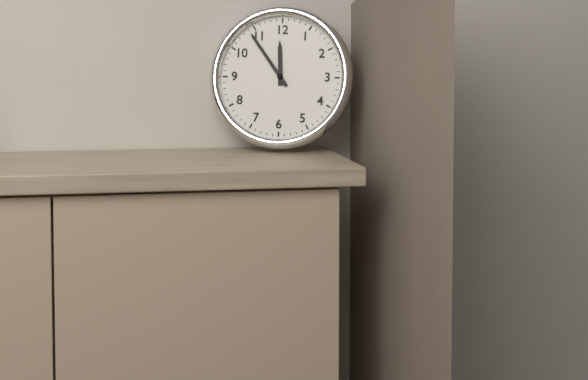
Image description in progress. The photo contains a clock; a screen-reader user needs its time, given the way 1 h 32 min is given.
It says 11 h 54 min
